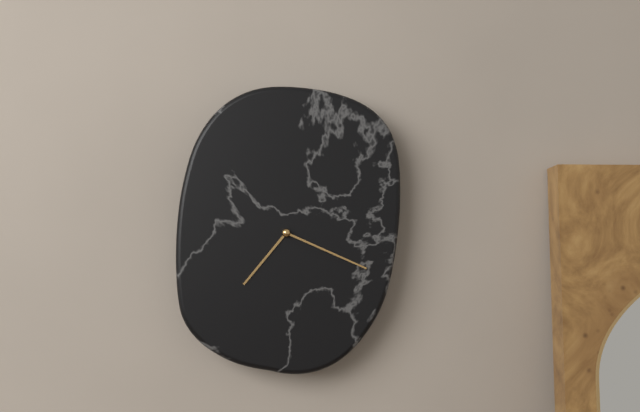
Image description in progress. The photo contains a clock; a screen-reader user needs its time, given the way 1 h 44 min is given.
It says 7 h 19 min
